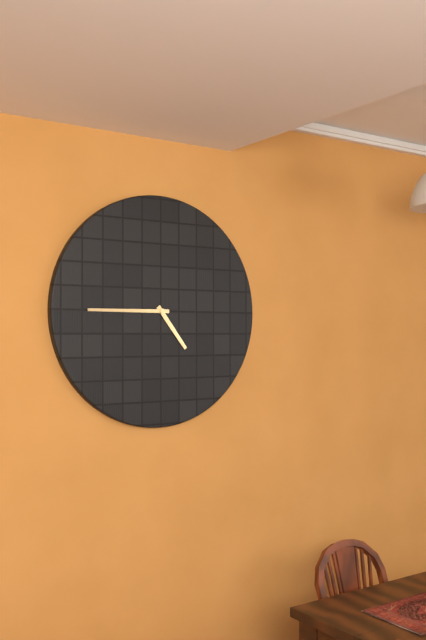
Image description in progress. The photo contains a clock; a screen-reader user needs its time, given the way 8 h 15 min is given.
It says 4 h 45 min
